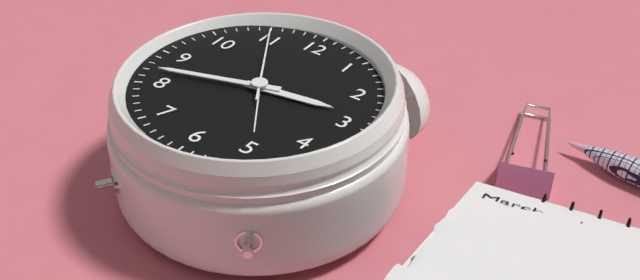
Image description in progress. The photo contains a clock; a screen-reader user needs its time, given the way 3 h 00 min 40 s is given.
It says 2 h 42 min 55 s
